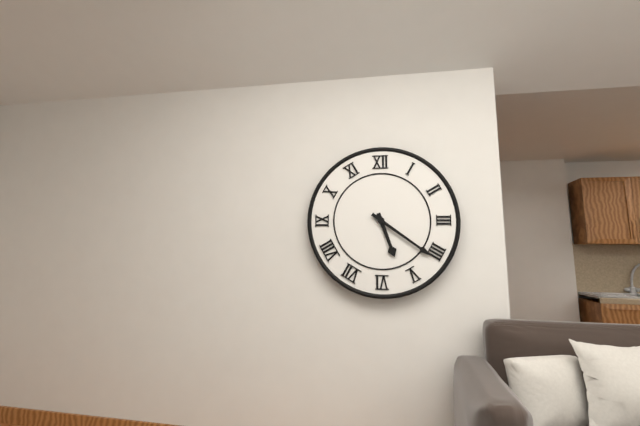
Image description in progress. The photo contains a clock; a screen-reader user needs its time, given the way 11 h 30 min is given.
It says 5 h 21 min
